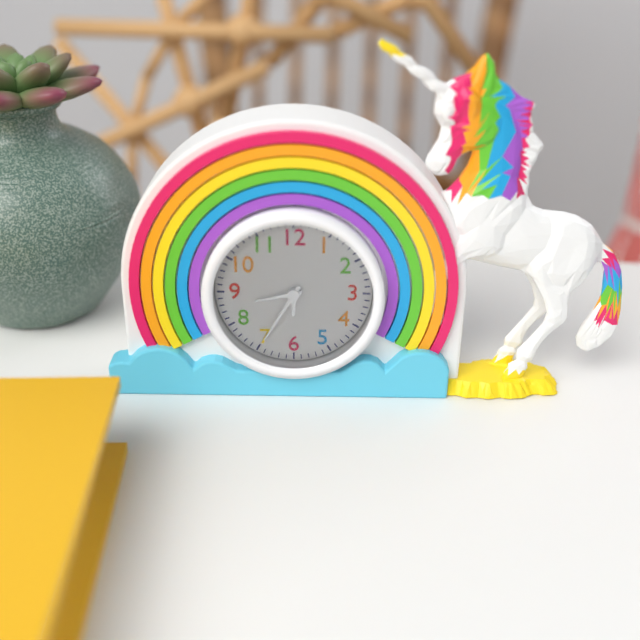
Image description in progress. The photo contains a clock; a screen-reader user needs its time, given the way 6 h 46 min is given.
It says 8 h 35 min
